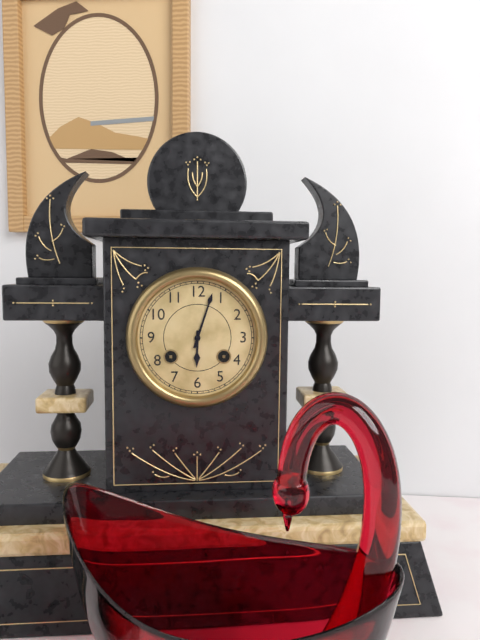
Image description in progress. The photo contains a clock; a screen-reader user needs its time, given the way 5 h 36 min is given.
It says 6 h 03 min
